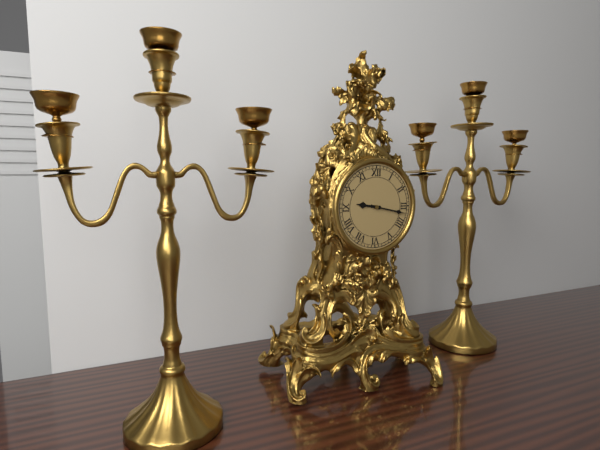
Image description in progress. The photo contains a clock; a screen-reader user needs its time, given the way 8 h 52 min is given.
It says 9 h 17 min
